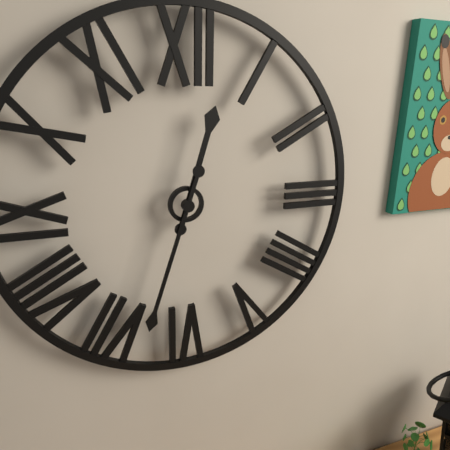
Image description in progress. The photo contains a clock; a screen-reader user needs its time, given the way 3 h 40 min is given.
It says 12 h 33 min
